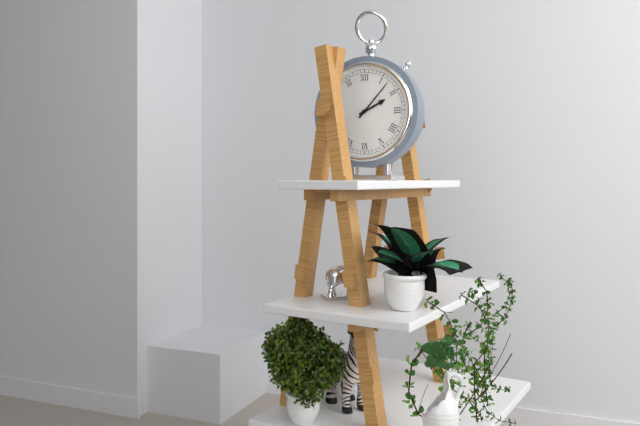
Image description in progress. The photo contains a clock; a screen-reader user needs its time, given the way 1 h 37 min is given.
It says 2 h 07 min
